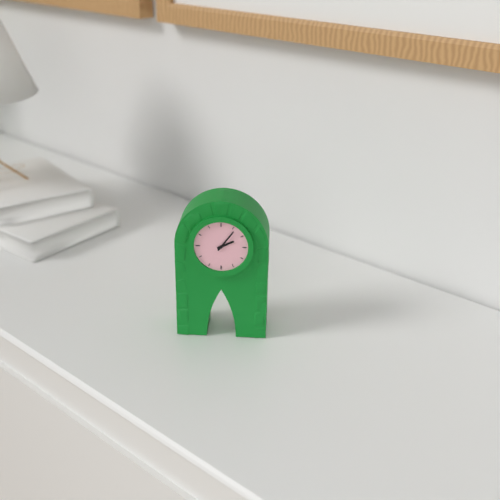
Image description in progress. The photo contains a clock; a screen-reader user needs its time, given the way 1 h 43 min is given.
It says 2 h 06 min
